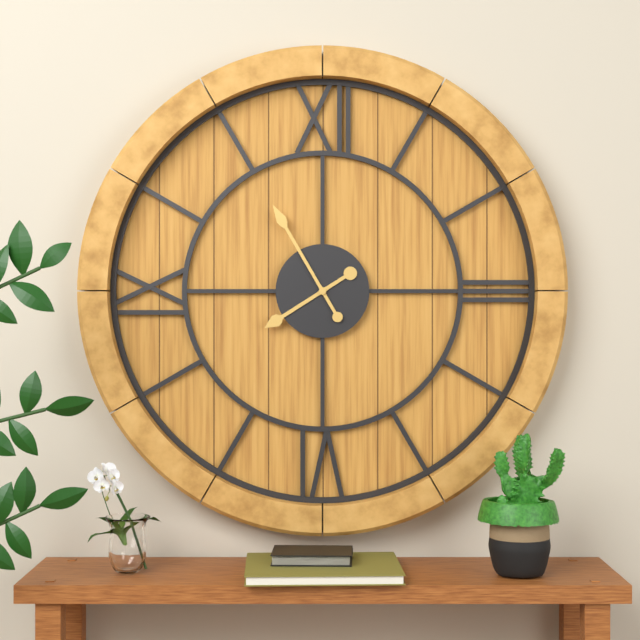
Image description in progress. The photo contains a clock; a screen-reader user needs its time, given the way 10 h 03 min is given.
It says 7 h 55 min
